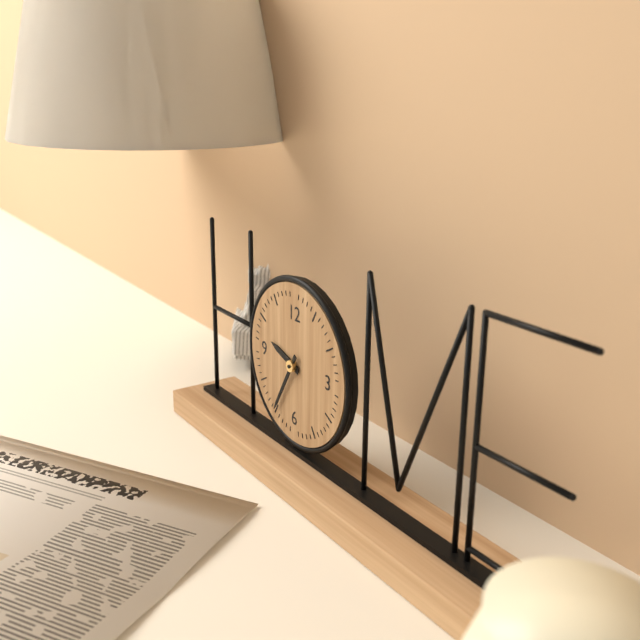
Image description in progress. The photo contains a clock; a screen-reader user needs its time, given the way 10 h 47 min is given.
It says 9 h 35 min
